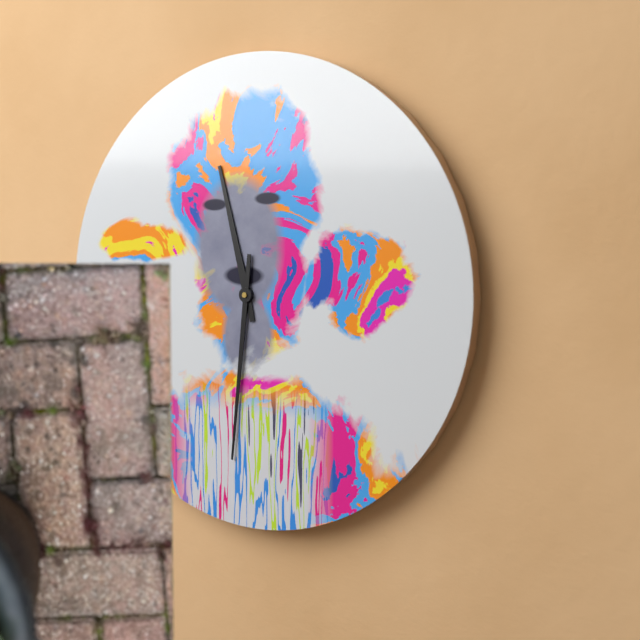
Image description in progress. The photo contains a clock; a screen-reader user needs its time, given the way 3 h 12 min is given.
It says 11 h 31 min
